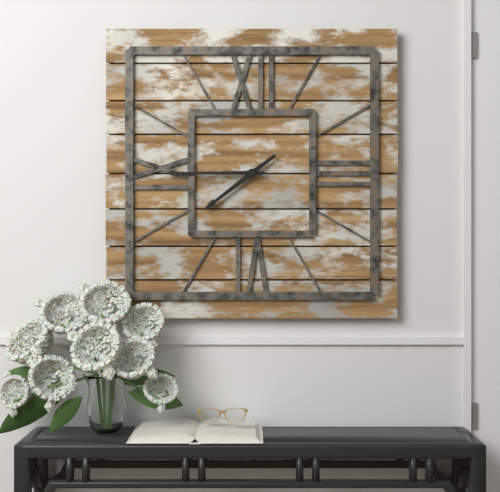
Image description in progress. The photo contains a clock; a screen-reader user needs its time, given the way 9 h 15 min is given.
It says 7 h 45 min
